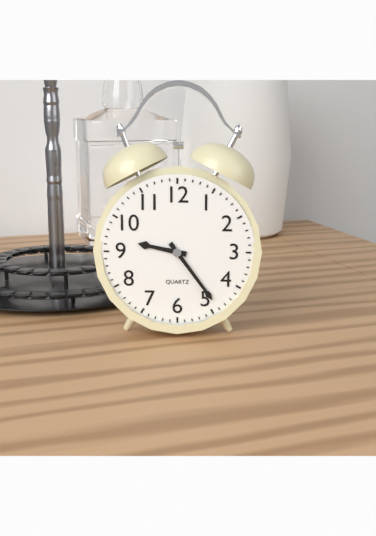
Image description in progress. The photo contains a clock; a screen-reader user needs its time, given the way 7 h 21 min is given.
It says 9 h 24 min
